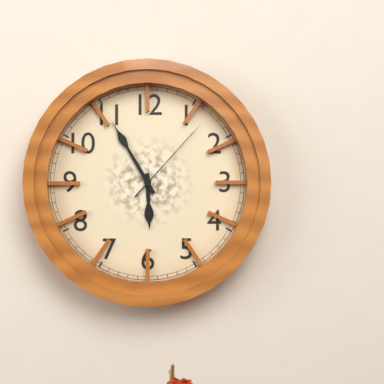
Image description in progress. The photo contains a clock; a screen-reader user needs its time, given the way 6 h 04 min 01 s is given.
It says 5 h 55 min 07 s
